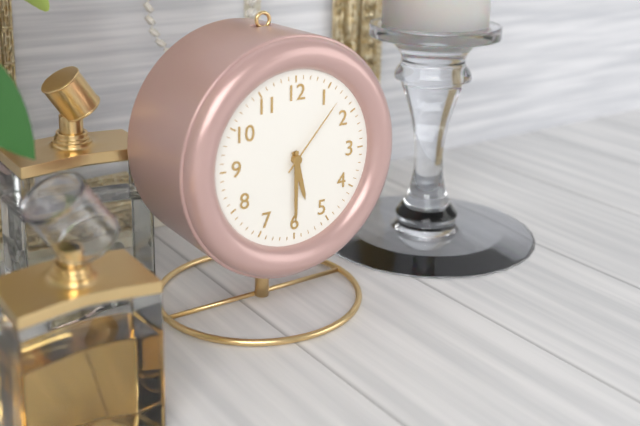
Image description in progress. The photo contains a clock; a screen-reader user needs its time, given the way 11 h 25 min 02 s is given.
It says 5 h 30 min 07 s
